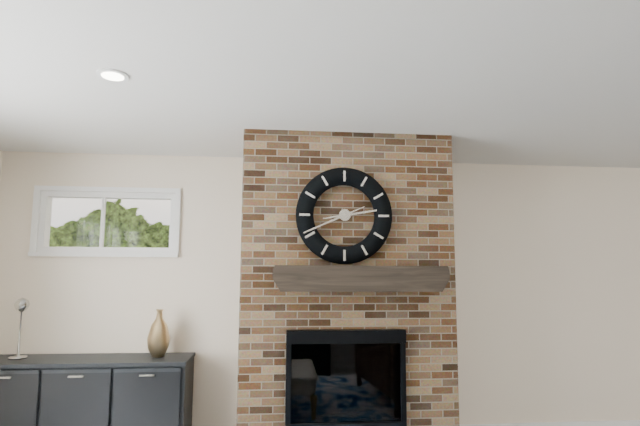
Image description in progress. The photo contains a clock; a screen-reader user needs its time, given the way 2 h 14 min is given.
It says 2 h 41 min
